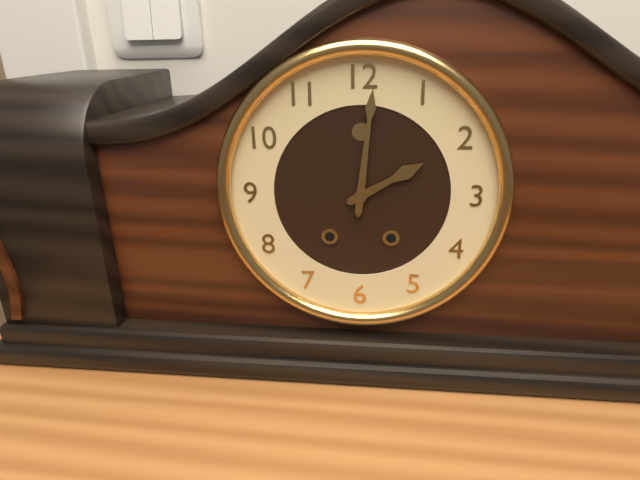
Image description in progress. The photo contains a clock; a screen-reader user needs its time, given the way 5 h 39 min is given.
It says 2 h 01 min
